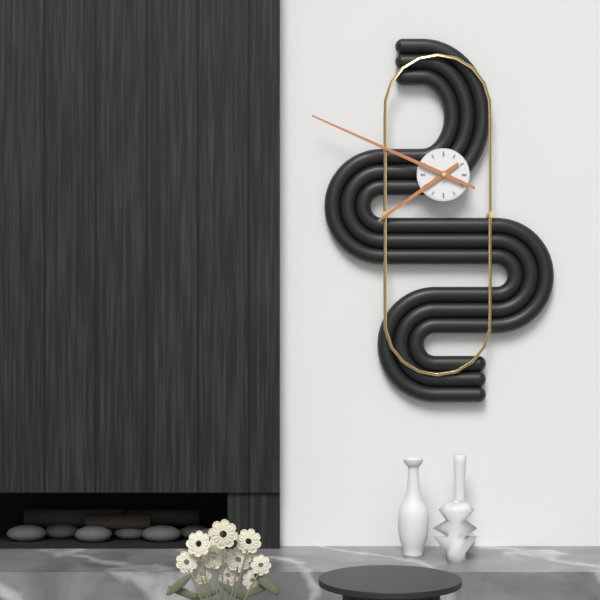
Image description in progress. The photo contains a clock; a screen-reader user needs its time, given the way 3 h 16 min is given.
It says 7 h 49 min
